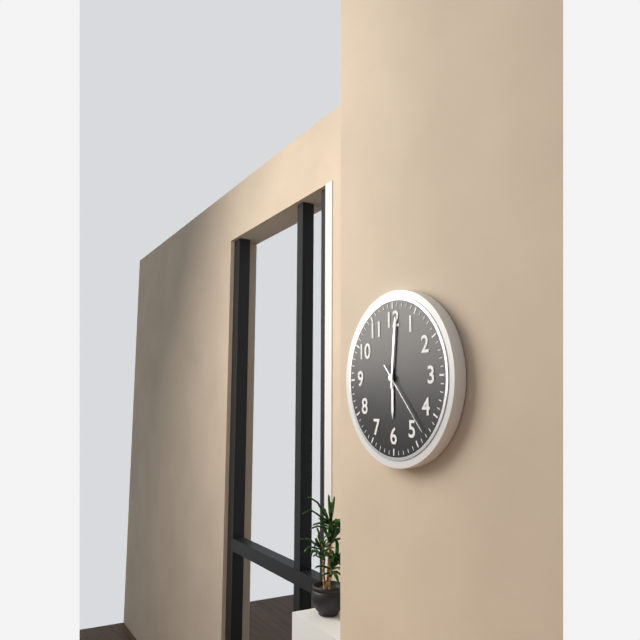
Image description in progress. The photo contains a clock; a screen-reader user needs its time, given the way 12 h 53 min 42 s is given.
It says 6 h 01 min 23 s
